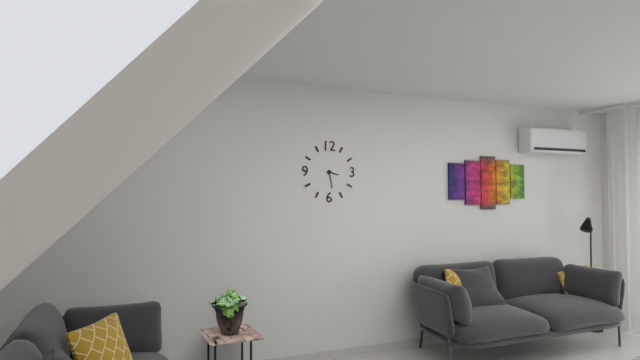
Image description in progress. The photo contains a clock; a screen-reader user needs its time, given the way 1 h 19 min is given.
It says 3 h 28 min
